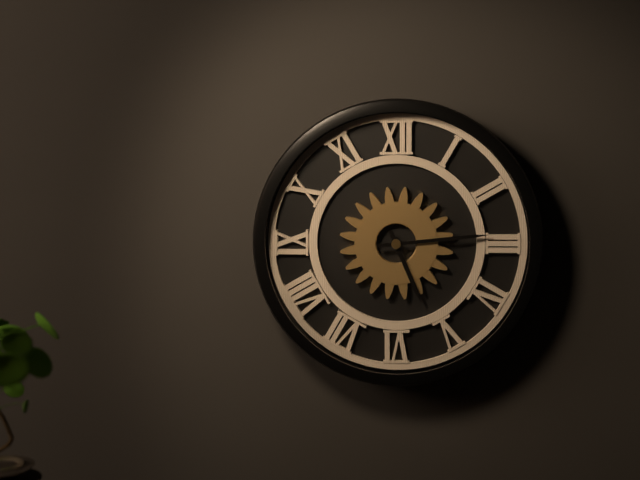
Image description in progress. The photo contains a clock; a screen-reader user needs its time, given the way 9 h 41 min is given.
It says 5 h 14 min
